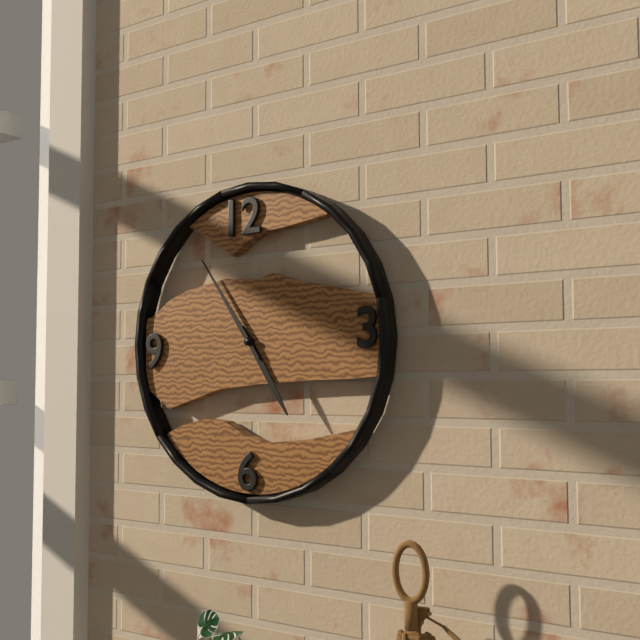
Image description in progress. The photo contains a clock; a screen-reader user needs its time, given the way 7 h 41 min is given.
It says 4 h 54 min
